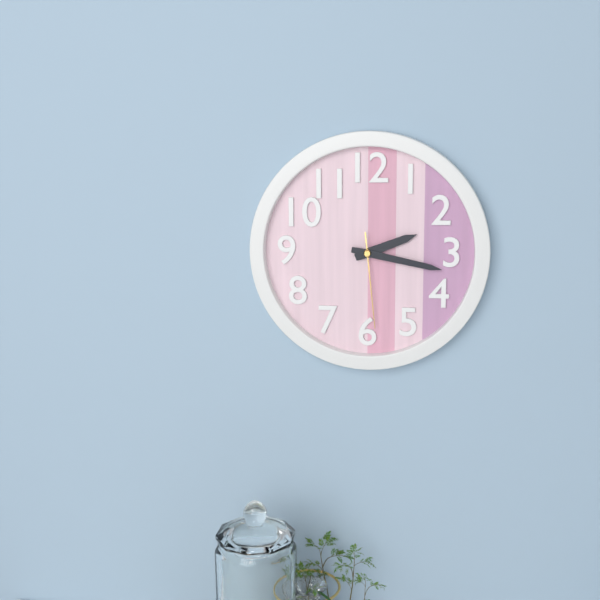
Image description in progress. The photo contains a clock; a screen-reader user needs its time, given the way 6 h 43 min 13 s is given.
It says 2 h 17 min 29 s
